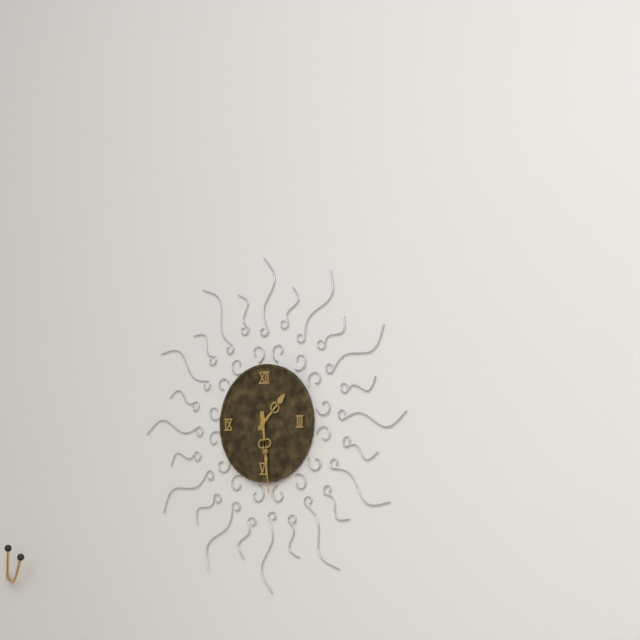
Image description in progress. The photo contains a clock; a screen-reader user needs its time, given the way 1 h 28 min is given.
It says 1 h 29 min
